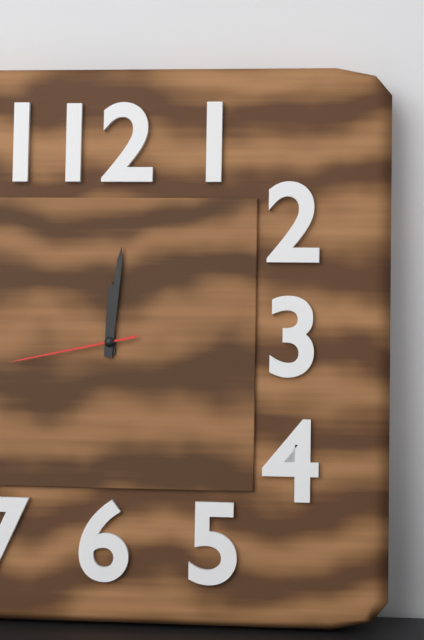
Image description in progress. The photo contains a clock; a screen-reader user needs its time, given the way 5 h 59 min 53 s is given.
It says 12 h 01 min 43 s
